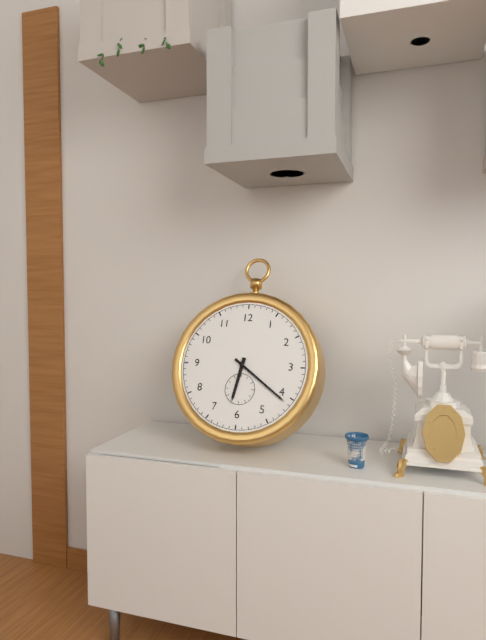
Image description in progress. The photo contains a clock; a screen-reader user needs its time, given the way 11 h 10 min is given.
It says 6 h 21 min
